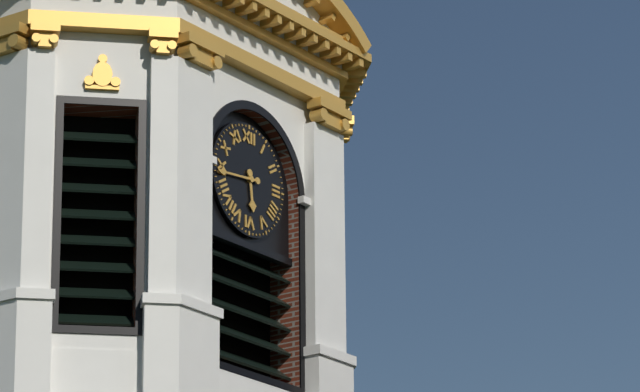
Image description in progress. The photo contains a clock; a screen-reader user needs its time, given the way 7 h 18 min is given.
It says 5 h 44 min
